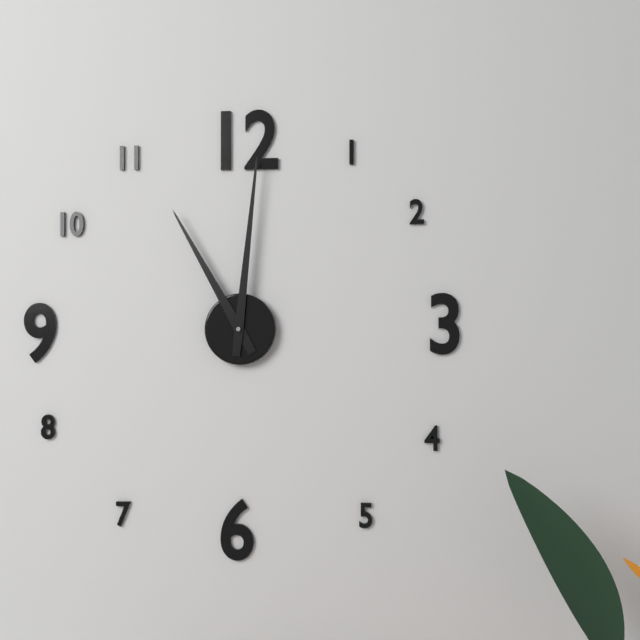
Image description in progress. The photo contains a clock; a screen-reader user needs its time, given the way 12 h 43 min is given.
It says 11 h 01 min
